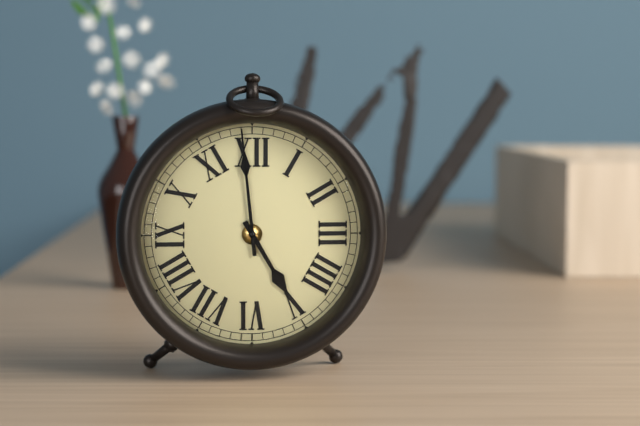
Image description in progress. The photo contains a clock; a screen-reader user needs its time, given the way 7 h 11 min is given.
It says 4 h 59 min
